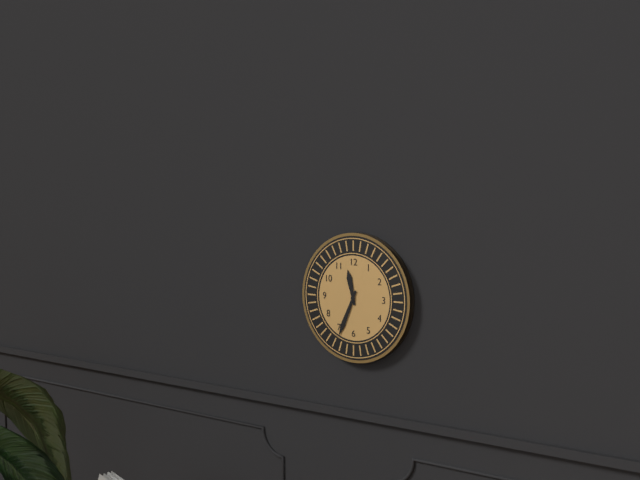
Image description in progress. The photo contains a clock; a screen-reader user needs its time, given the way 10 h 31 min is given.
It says 11 h 34 min
